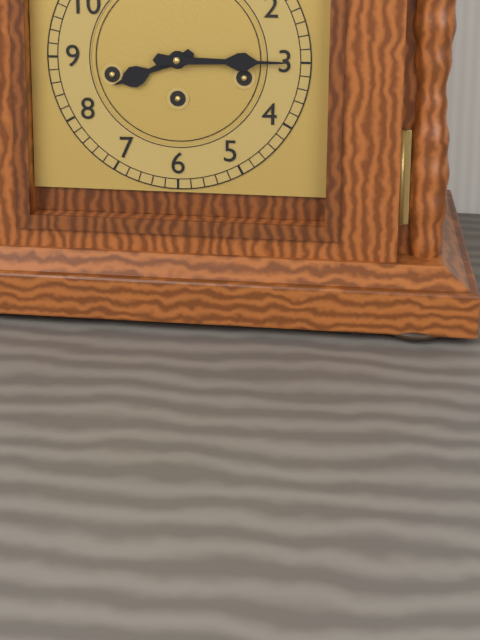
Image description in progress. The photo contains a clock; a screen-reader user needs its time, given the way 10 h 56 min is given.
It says 8 h 15 min
